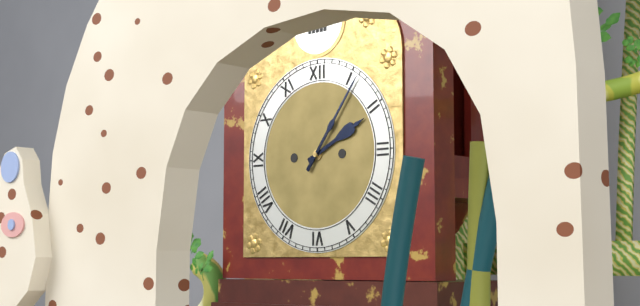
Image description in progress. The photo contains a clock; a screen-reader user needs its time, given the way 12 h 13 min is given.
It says 2 h 06 min
